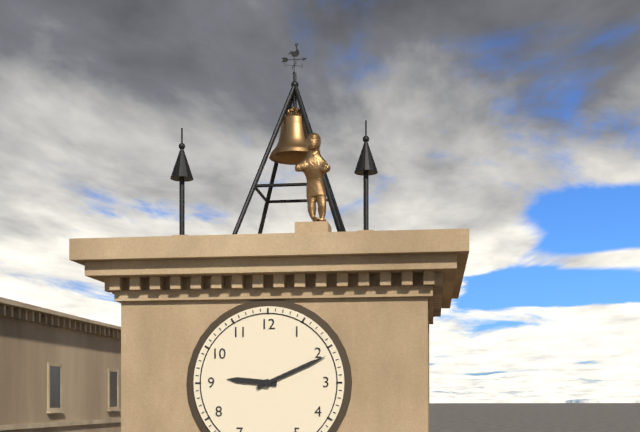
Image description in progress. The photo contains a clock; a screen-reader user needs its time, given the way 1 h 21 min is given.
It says 9 h 11 min
